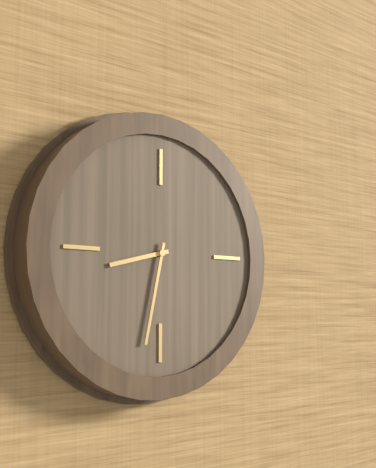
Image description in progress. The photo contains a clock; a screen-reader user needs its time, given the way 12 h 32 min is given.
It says 8 h 32 min
